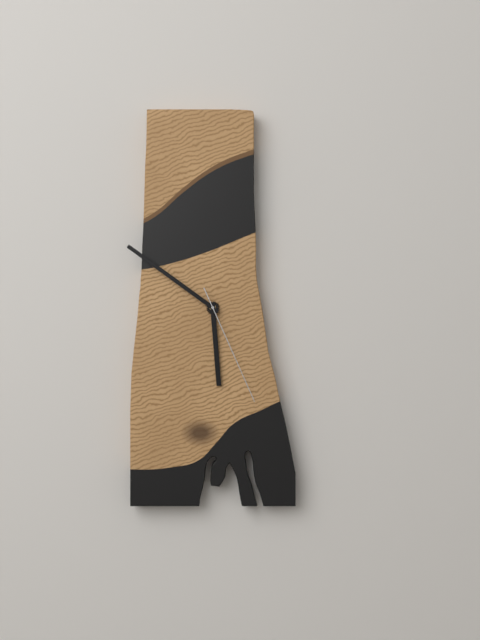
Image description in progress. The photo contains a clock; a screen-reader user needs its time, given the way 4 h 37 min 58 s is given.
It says 5 h 51 min 26 s
